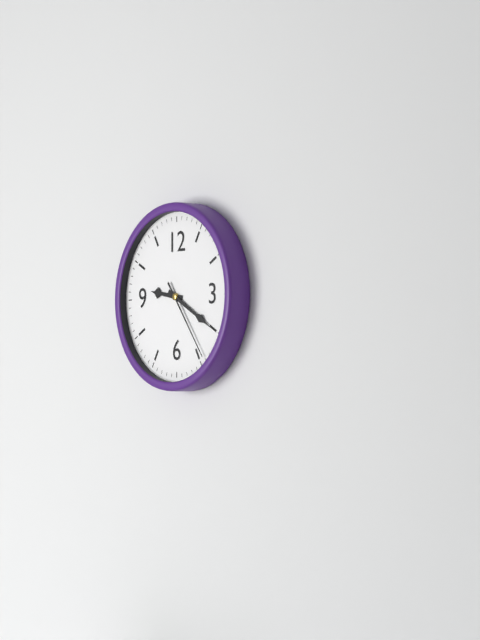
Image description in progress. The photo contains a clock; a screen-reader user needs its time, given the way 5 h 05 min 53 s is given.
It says 9 h 20 min 24 s
